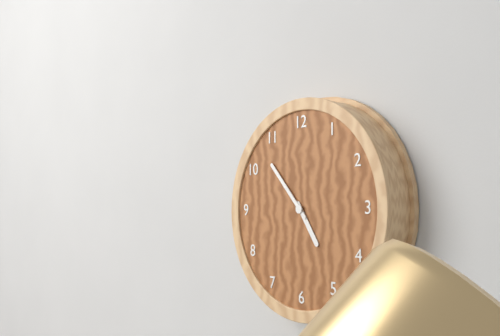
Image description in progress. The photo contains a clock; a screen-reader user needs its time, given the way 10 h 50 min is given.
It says 4 h 53 min
